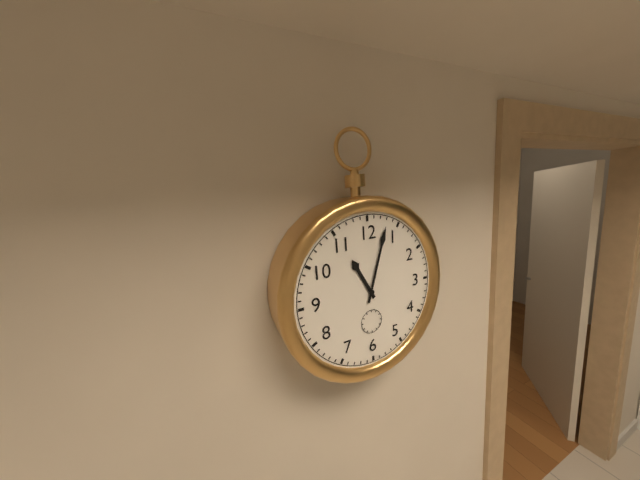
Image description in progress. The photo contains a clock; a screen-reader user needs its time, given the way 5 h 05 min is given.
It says 11 h 03 min
